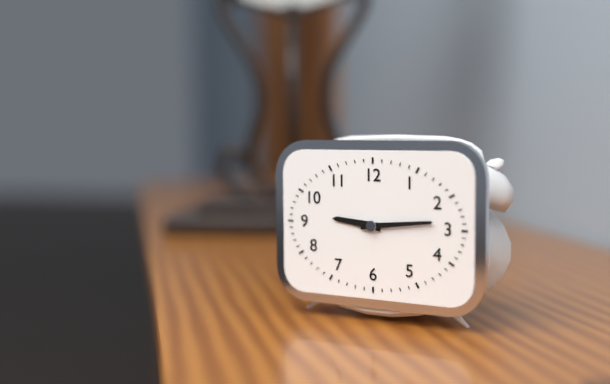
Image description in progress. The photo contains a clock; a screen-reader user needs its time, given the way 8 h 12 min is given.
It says 9 h 14 min
